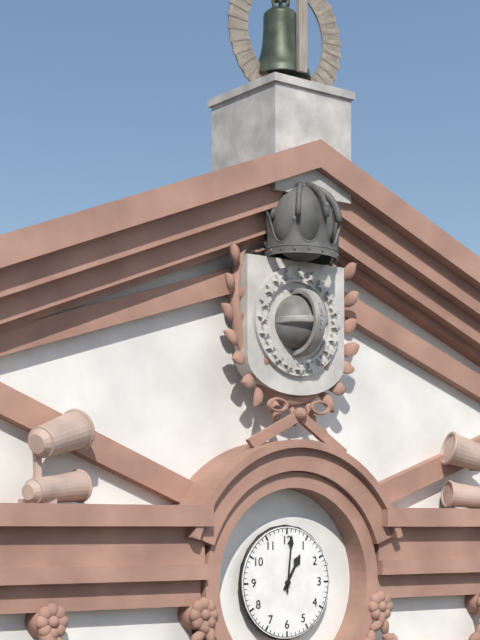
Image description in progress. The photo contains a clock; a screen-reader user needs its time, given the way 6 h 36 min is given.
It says 1 h 01 min
